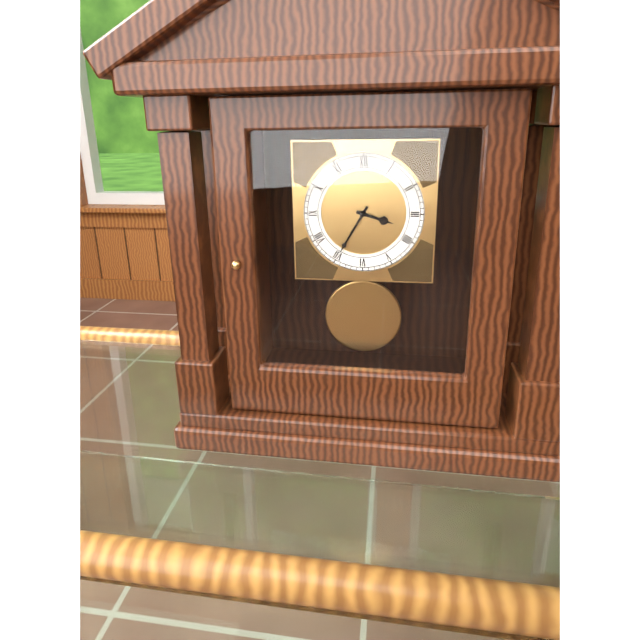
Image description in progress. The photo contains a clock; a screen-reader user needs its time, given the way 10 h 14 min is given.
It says 3 h 35 min
